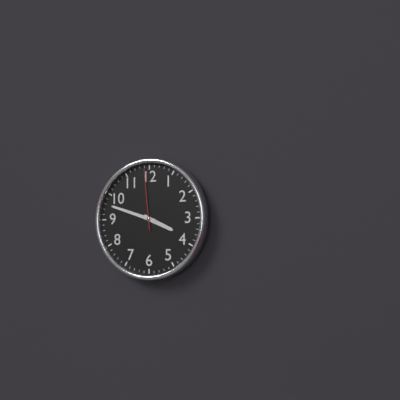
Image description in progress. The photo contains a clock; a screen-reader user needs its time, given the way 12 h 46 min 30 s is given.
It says 3 h 48 min 59 s
